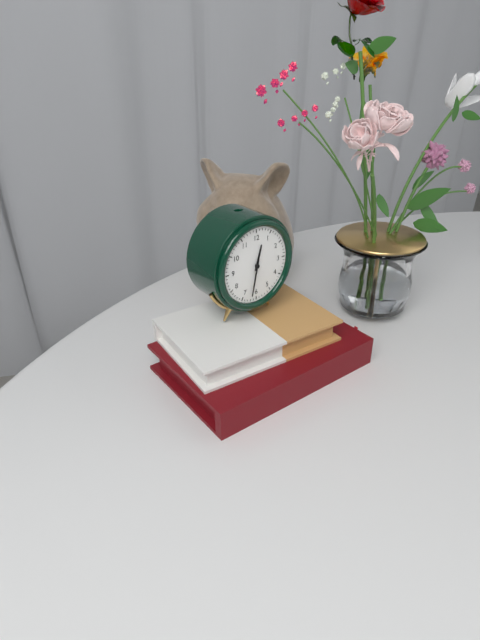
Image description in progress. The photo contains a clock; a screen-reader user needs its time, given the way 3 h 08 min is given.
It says 12 h 32 min
